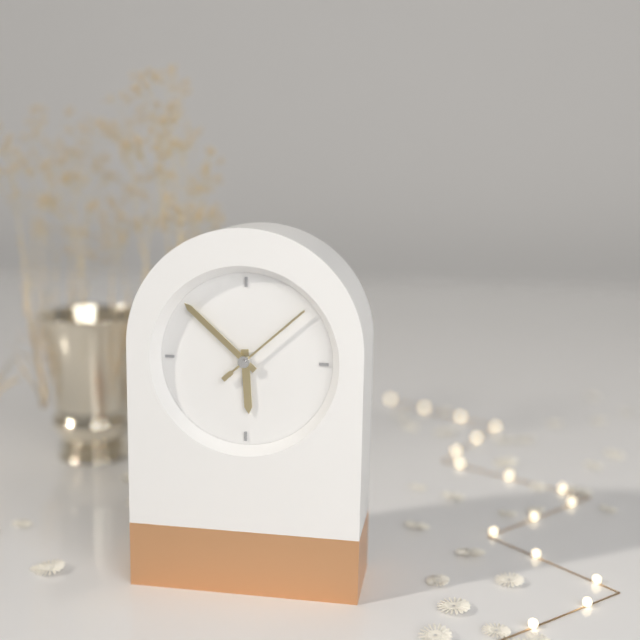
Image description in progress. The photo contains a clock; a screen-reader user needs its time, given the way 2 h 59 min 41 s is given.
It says 5 h 52 min 08 s
